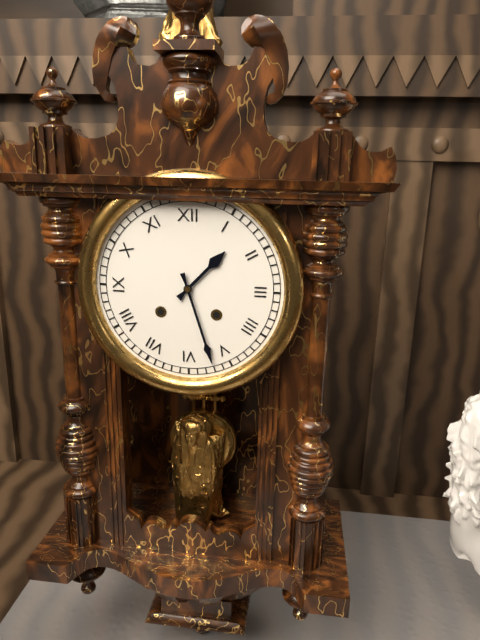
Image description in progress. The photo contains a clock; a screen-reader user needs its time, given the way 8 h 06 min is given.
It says 1 h 27 min
